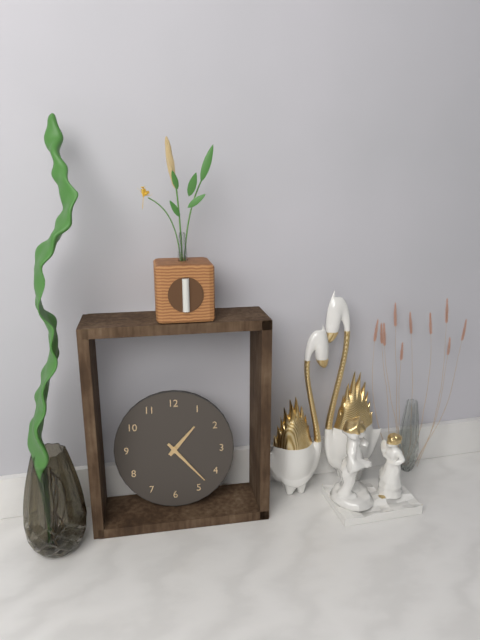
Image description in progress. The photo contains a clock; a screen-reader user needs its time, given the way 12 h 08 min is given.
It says 1 h 23 min
